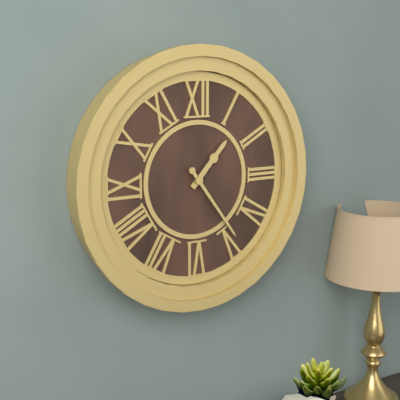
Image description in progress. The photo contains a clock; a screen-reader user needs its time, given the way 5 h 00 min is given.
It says 1 h 24 min
